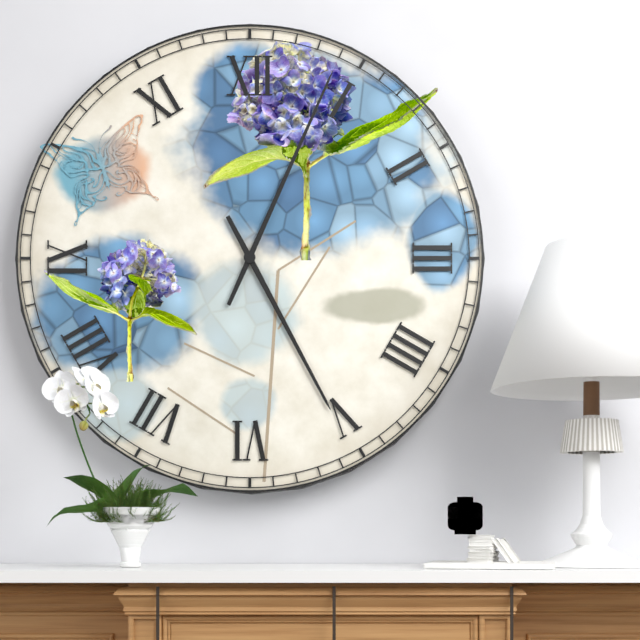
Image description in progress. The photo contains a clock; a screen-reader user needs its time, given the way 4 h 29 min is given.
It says 5 h 04 min
